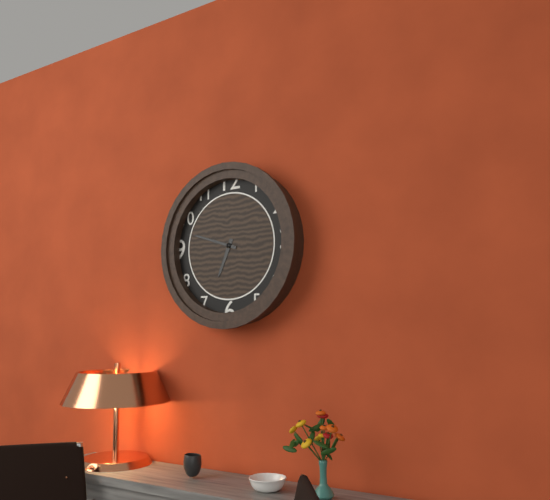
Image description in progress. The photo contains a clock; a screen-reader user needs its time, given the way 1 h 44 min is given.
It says 6 h 48 min
